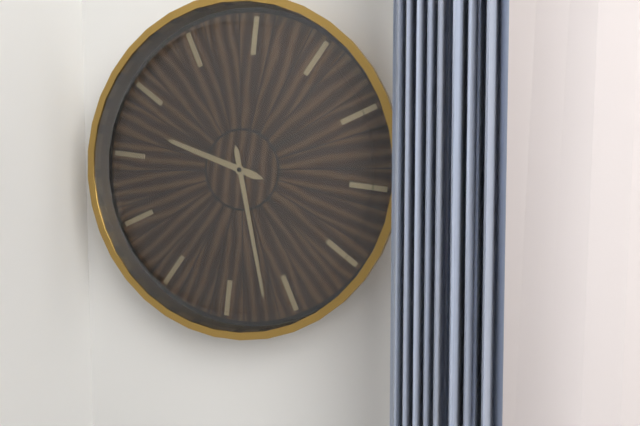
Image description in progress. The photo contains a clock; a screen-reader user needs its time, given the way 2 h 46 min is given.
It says 9 h 27 min
